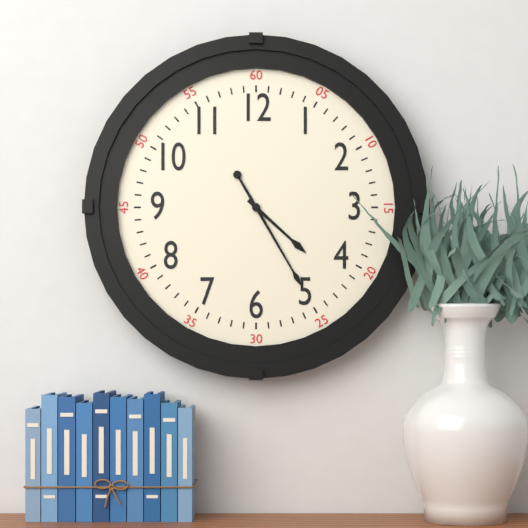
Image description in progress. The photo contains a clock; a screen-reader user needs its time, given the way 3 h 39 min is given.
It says 4 h 25 min
